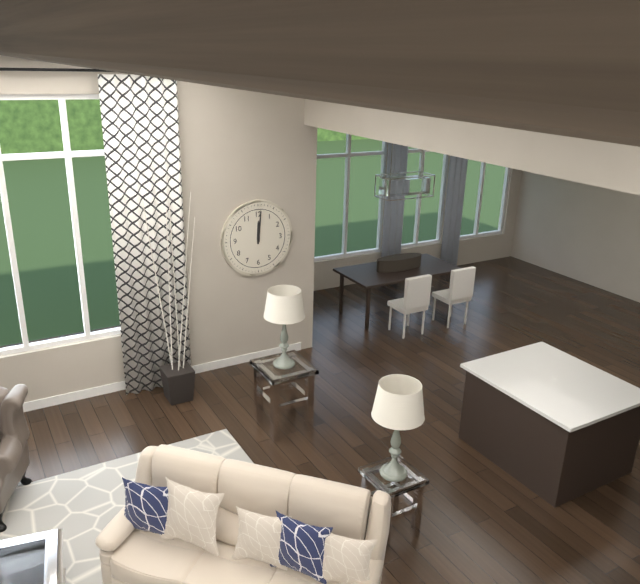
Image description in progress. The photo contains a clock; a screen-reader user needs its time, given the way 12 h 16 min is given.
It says 12 h 01 min
